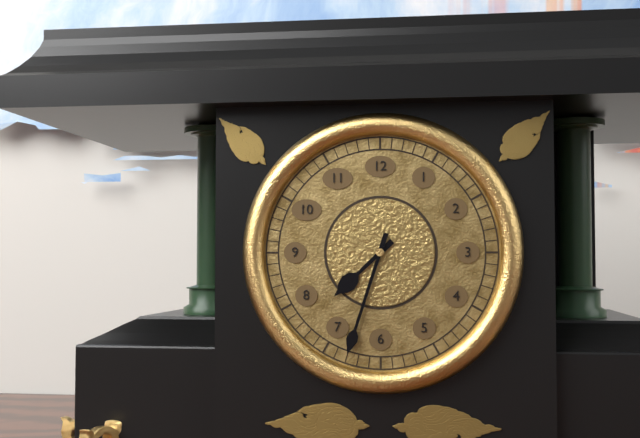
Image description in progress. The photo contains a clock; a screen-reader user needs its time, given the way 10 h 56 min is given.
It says 7 h 33 min
